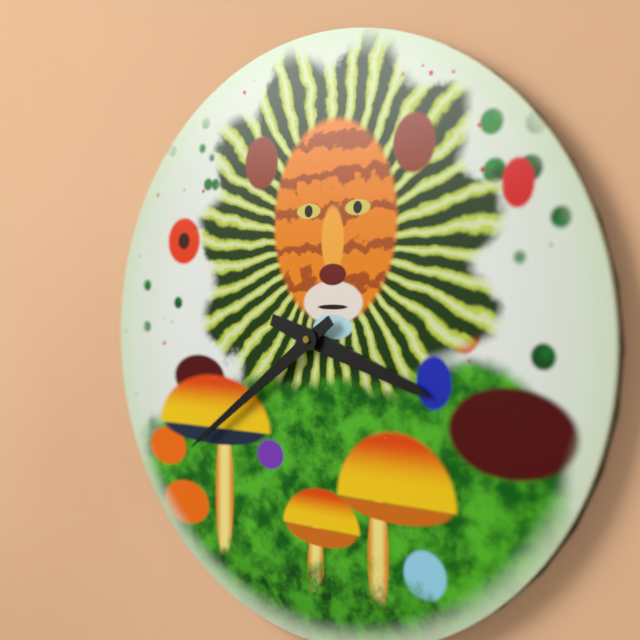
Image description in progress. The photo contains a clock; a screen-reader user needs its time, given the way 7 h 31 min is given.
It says 3 h 39 min
